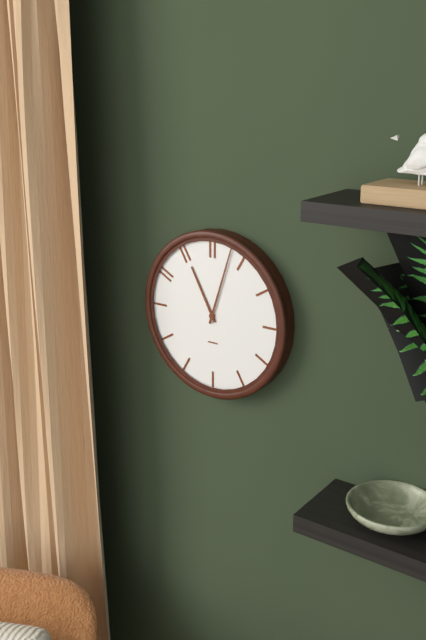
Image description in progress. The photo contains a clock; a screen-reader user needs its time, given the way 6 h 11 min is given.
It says 11 h 03 min
